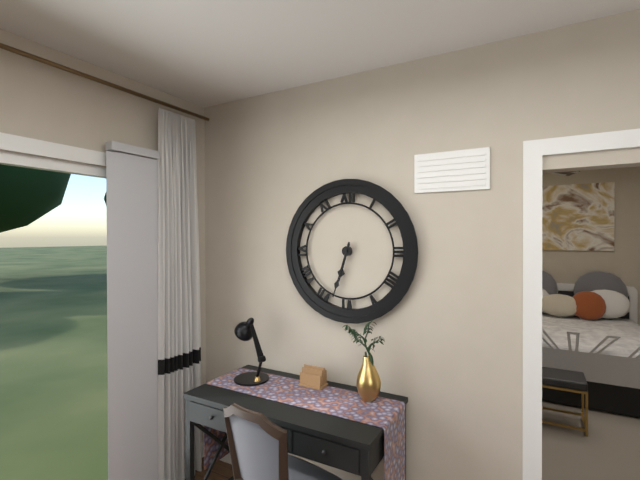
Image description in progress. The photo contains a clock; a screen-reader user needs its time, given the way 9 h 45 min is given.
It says 6 h 33 min
